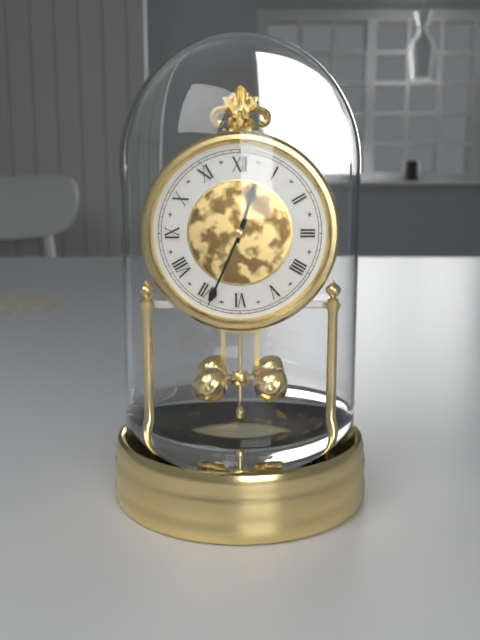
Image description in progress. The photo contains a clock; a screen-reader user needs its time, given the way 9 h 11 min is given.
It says 12 h 34 min
